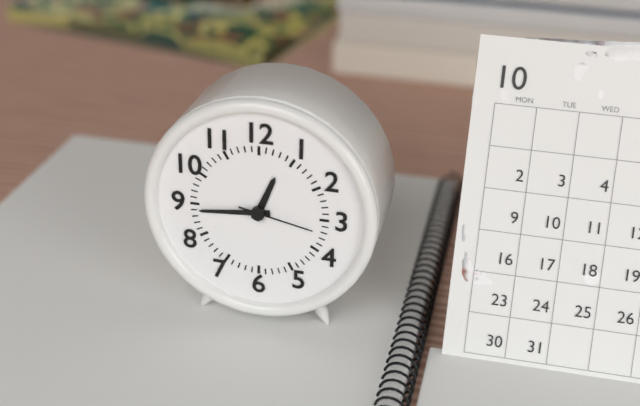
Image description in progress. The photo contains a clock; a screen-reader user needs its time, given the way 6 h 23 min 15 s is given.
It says 12 h 44 min 17 s
